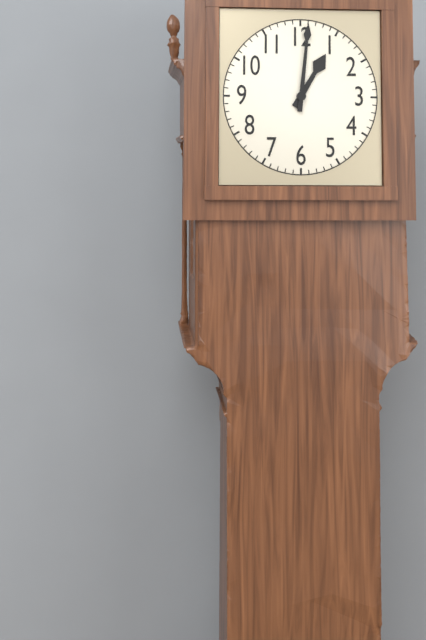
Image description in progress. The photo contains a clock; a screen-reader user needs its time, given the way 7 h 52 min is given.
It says 1 h 01 min
